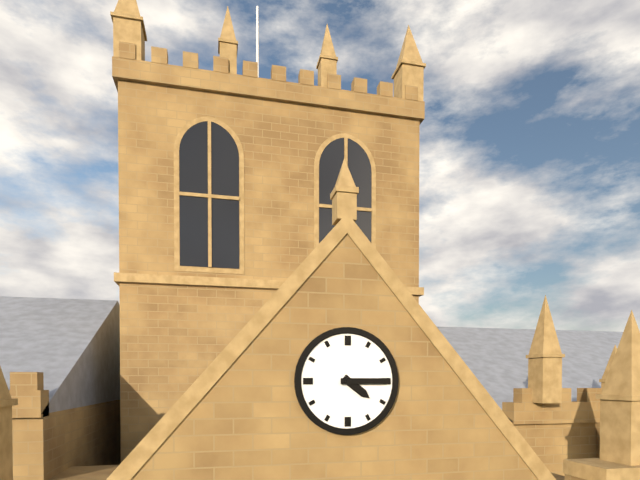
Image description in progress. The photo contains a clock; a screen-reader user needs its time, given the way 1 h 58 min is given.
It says 4 h 15 min
